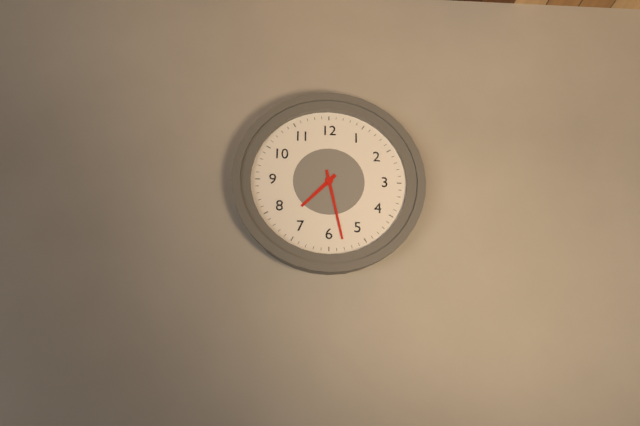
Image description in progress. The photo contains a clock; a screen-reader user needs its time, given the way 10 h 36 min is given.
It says 7 h 28 min
